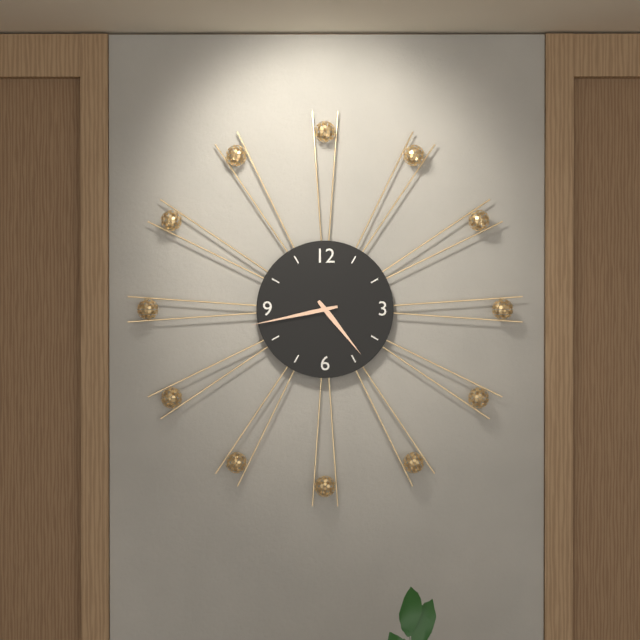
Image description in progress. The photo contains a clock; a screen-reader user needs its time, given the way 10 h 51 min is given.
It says 4 h 43 min
